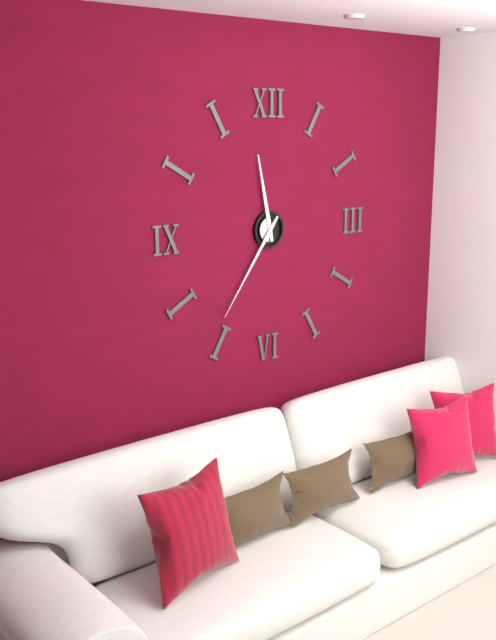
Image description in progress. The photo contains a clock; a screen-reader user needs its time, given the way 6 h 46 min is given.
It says 11 h 36 min
